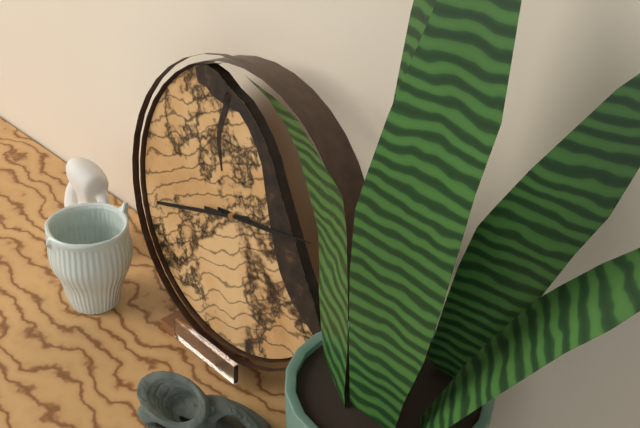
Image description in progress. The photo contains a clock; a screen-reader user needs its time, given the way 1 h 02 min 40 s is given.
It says 2 h 42 min 13 s
